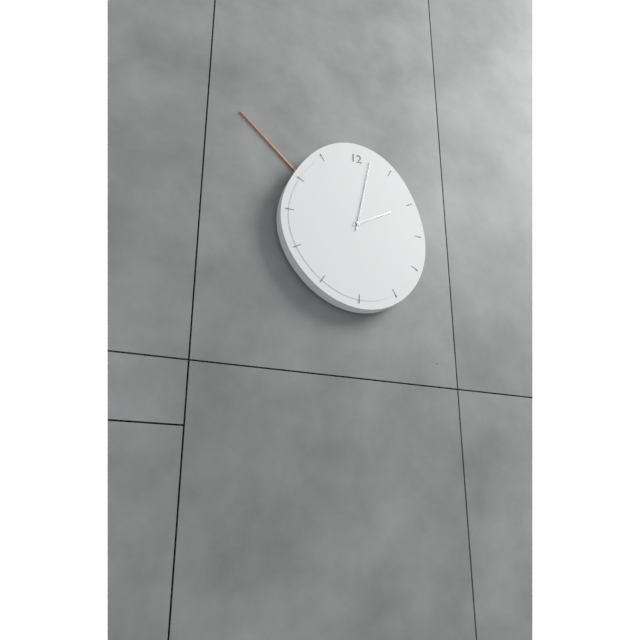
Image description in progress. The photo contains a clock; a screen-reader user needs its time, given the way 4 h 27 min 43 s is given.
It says 2 h 02 min 52 s
